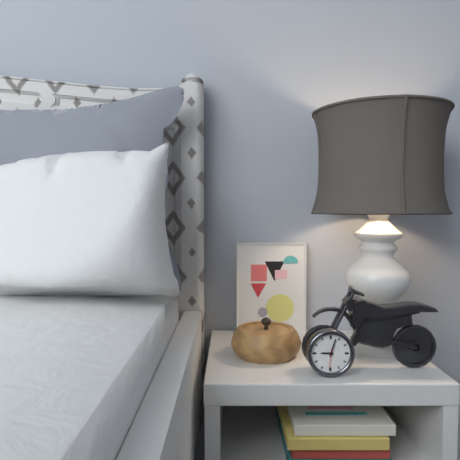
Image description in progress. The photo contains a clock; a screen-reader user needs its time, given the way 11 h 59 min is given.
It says 9 h 03 min
